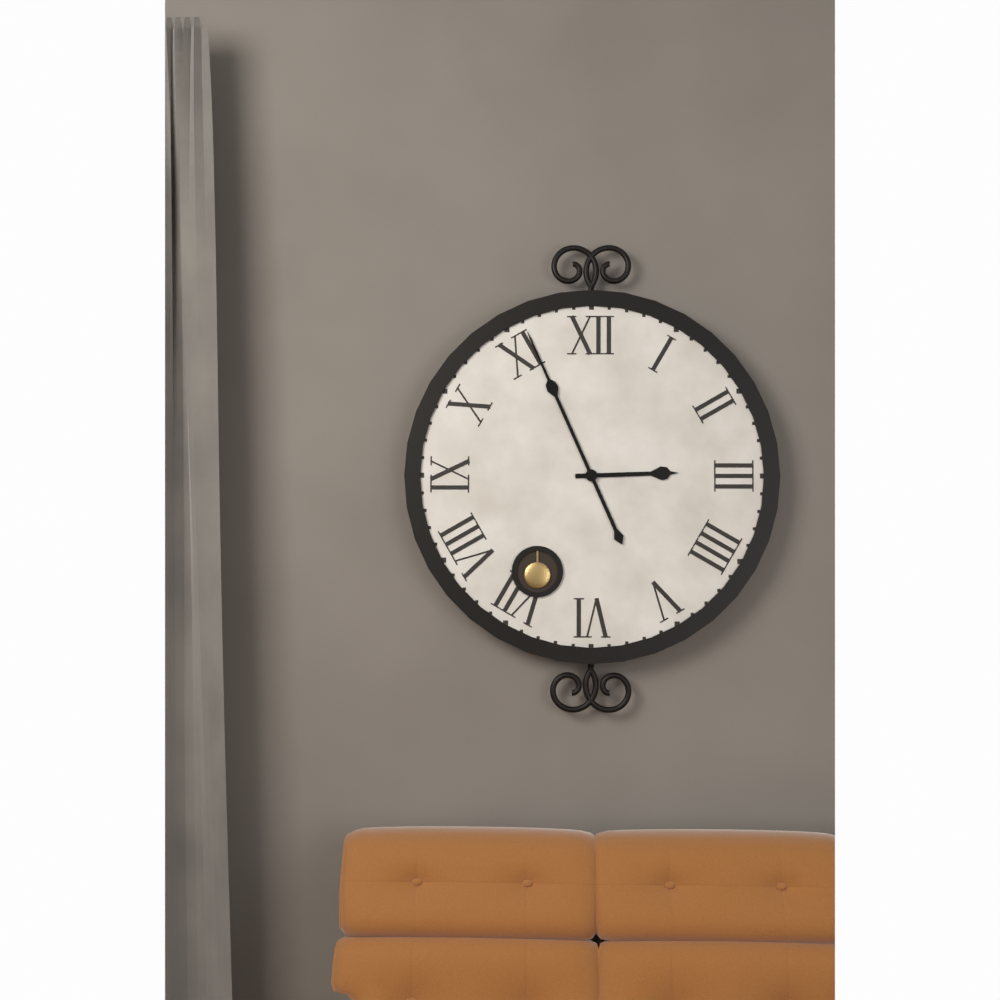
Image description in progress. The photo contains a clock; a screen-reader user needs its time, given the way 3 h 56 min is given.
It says 2 h 56 min
